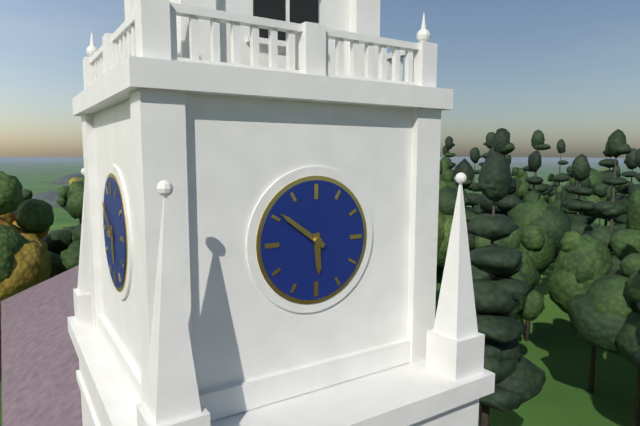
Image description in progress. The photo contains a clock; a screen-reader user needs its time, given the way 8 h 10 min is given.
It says 5 h 51 min
